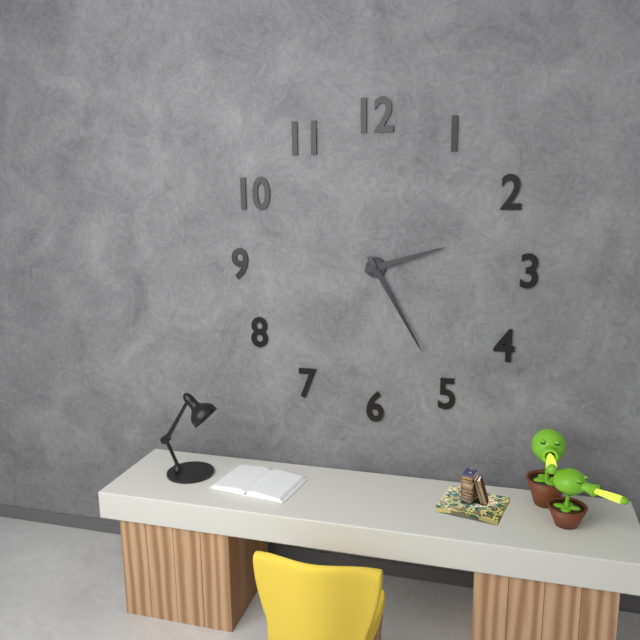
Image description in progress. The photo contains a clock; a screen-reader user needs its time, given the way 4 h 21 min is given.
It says 2 h 25 min
